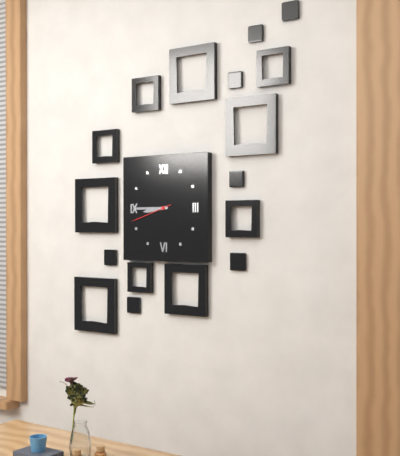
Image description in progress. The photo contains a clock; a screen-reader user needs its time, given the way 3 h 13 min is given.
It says 8 h 45 min
